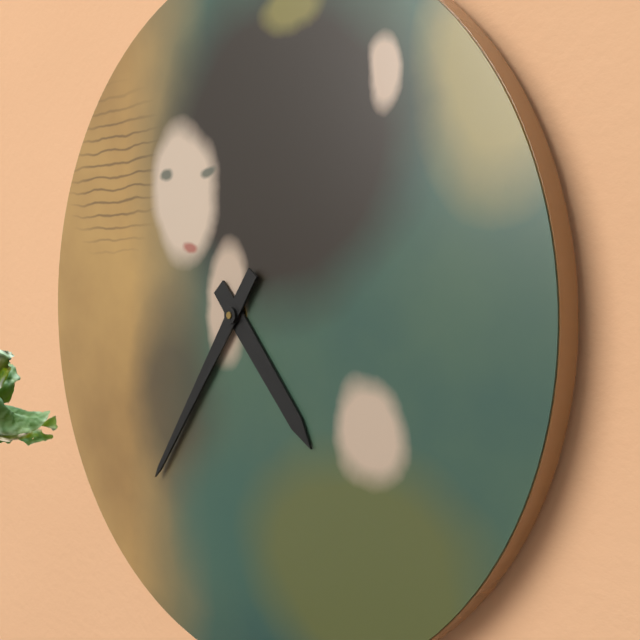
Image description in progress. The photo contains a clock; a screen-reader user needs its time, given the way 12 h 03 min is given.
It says 4 h 36 min
